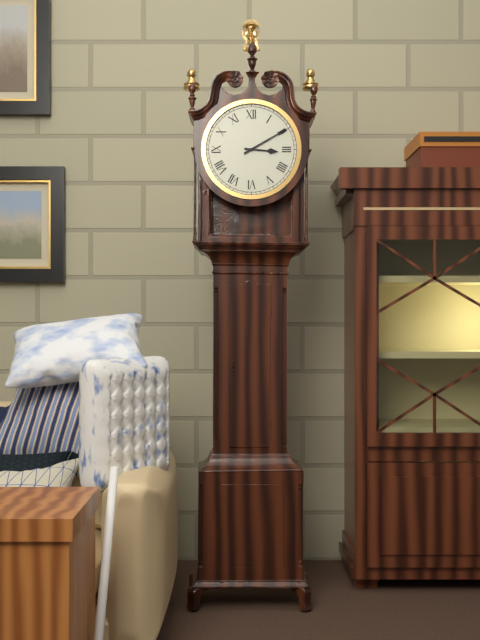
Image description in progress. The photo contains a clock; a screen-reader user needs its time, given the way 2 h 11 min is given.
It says 3 h 10 min
